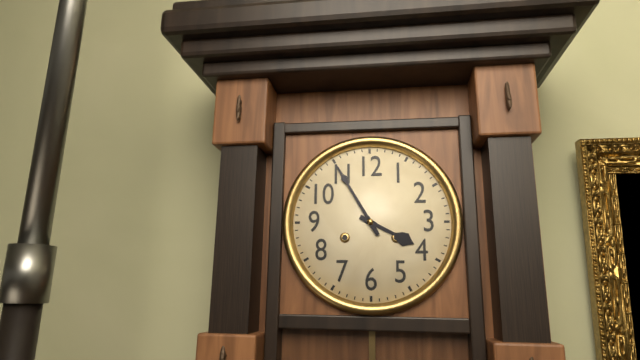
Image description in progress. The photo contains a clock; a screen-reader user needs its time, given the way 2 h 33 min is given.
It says 3 h 55 min
